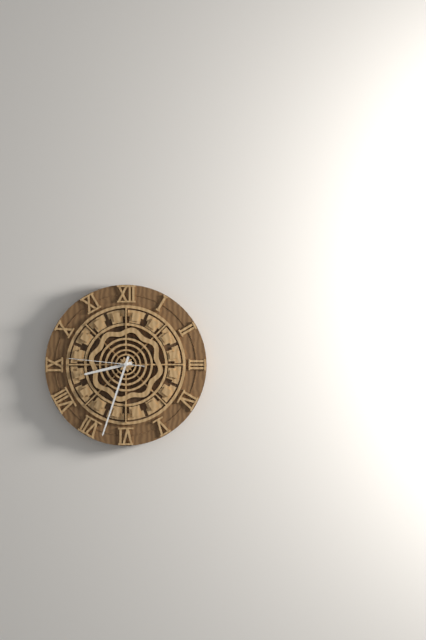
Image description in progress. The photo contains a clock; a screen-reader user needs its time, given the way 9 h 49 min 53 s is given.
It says 8 h 33 min 46 s
